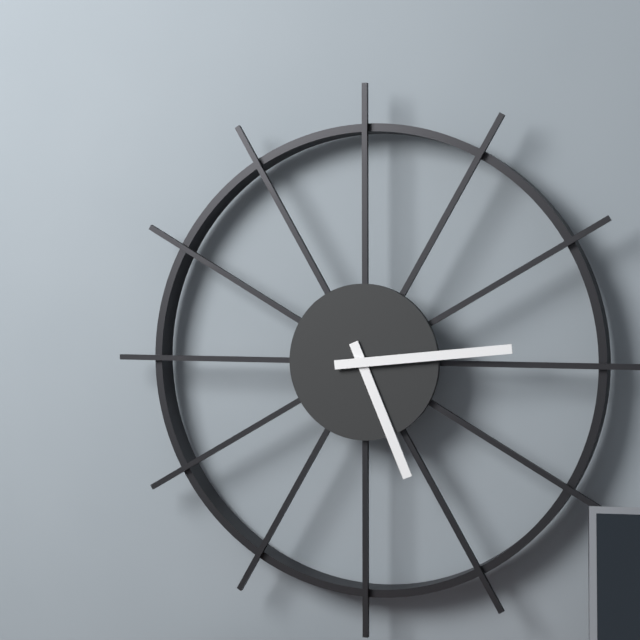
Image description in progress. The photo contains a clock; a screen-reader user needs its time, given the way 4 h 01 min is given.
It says 5 h 14 min
